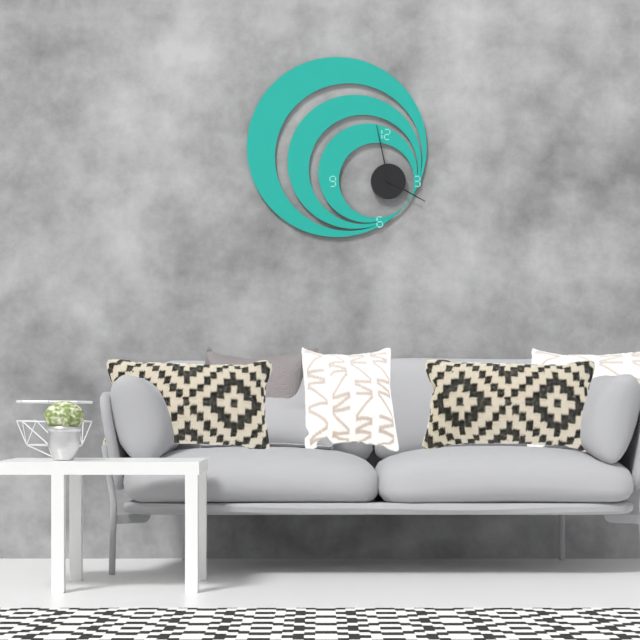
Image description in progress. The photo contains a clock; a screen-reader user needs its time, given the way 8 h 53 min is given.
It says 3 h 58 min
